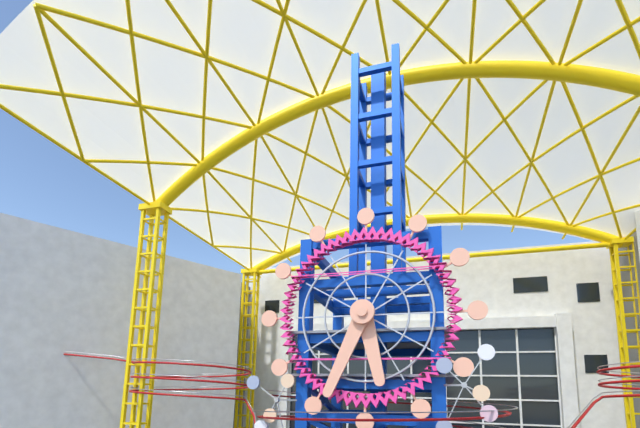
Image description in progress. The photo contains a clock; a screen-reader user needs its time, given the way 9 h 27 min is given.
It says 5 h 34 min
